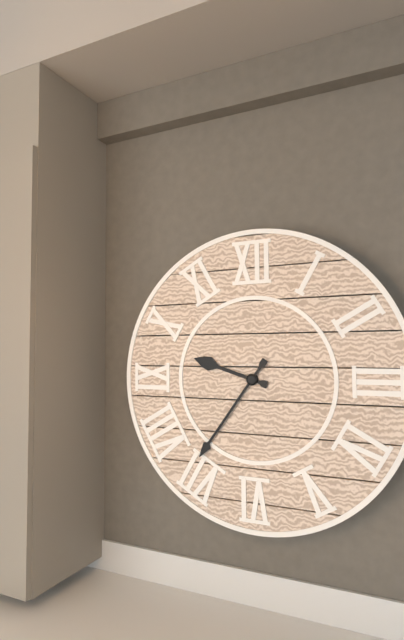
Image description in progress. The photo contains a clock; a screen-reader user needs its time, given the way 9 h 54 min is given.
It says 9 h 36 min
